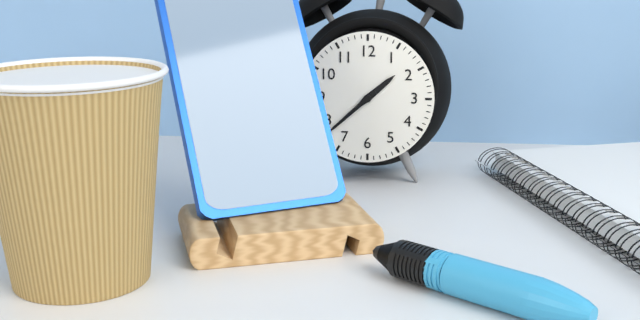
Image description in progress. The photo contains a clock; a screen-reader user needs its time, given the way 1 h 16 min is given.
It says 1 h 38 min
